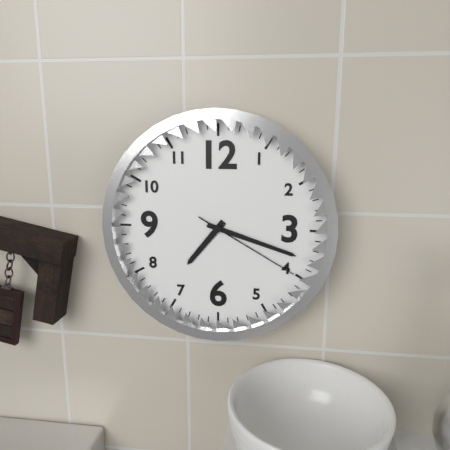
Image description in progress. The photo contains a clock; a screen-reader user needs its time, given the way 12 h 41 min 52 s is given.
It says 7 h 18 min 20 s
